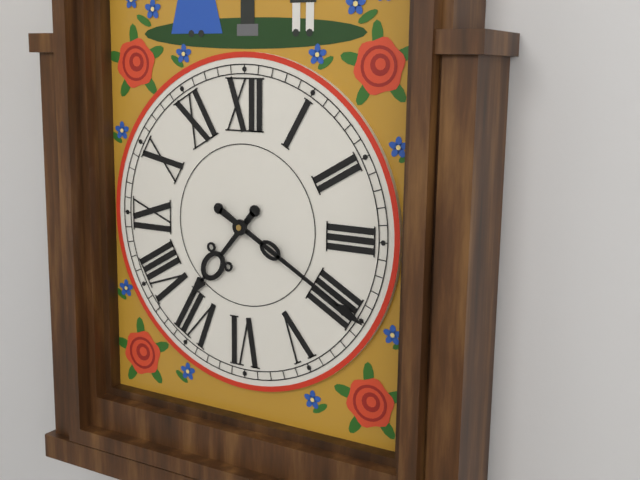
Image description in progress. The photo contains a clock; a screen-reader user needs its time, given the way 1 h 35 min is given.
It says 7 h 20 min
